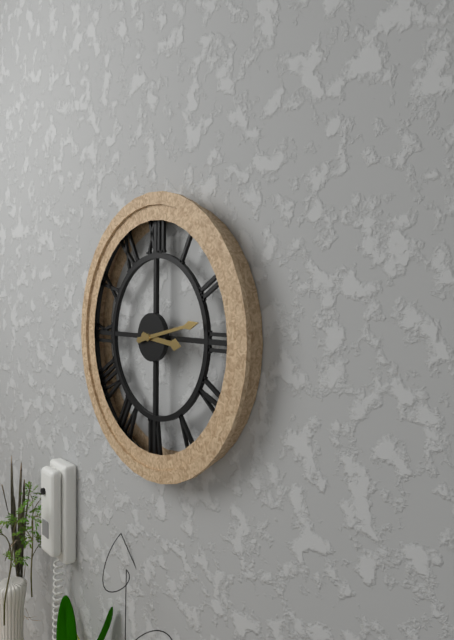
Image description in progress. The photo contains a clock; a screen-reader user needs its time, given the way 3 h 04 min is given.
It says 3 h 13 min
